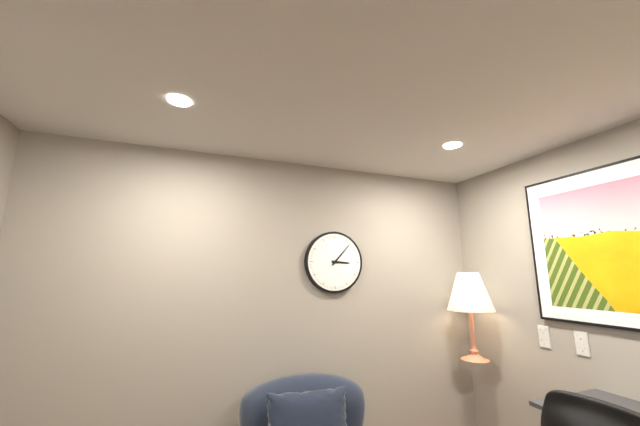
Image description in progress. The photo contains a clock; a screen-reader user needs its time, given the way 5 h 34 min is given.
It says 3 h 07 min
